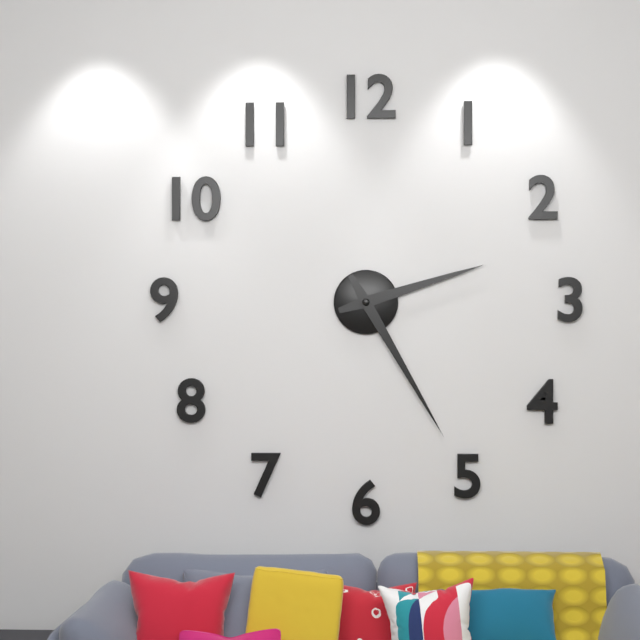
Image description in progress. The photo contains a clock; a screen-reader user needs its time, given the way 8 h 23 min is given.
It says 2 h 25 min
